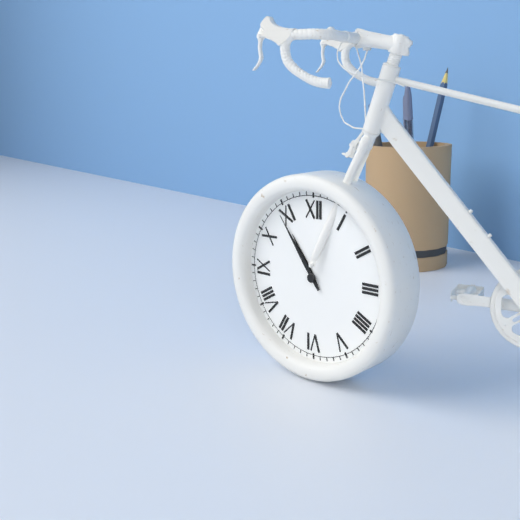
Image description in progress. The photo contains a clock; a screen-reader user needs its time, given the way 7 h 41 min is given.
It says 10 h 54 min
